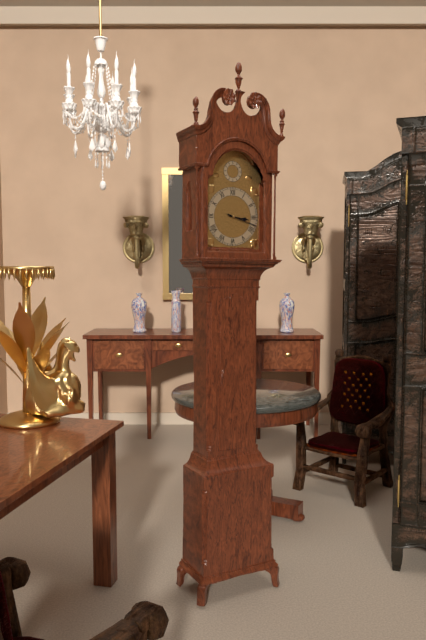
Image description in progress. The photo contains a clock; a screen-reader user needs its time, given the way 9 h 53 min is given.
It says 3 h 18 min
